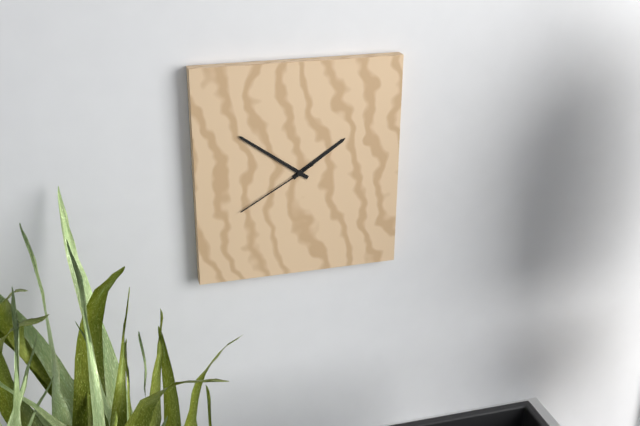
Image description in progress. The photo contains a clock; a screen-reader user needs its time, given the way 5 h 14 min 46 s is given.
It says 1 h 51 min 40 s
